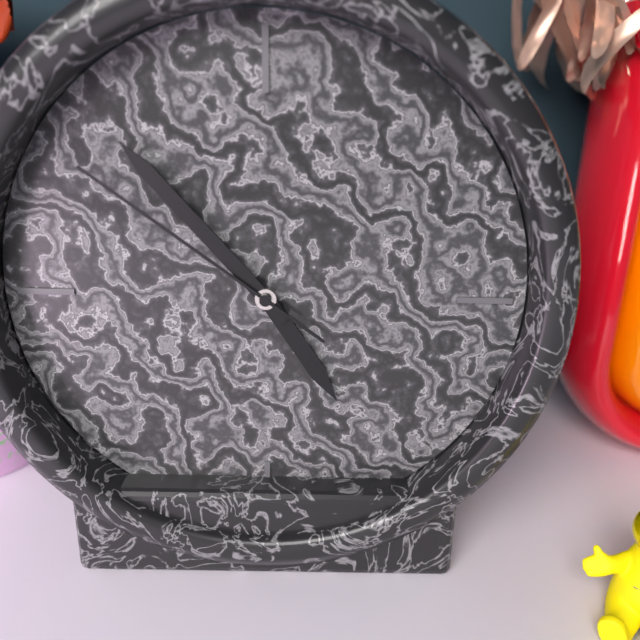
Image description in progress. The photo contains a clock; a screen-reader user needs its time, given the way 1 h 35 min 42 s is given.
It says 4 h 53 min 51 s
